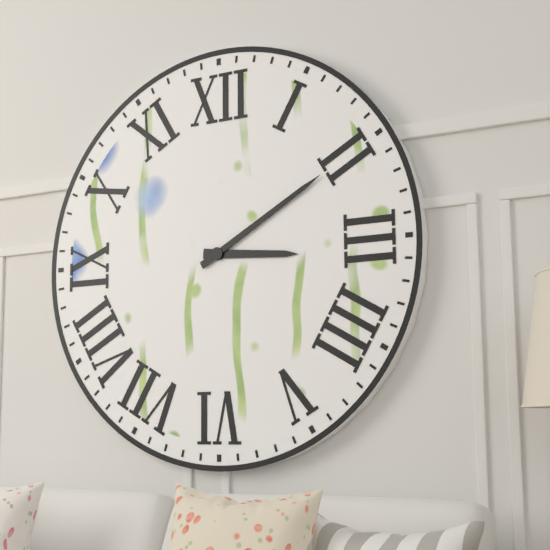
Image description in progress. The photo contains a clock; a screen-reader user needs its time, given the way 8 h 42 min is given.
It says 3 h 10 min
